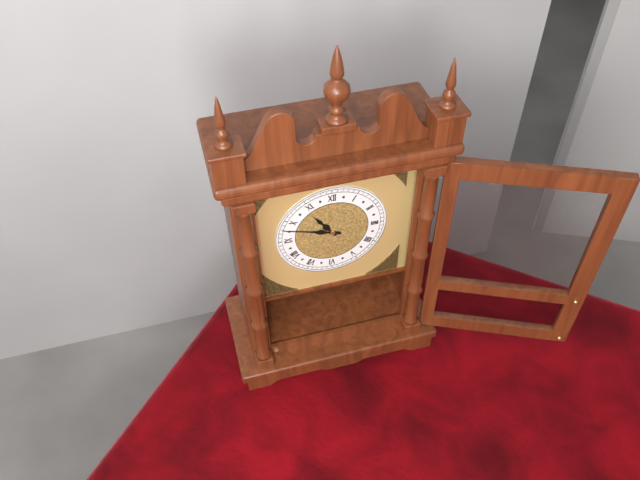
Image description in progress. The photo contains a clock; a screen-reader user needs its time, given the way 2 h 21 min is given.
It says 10 h 48 min
